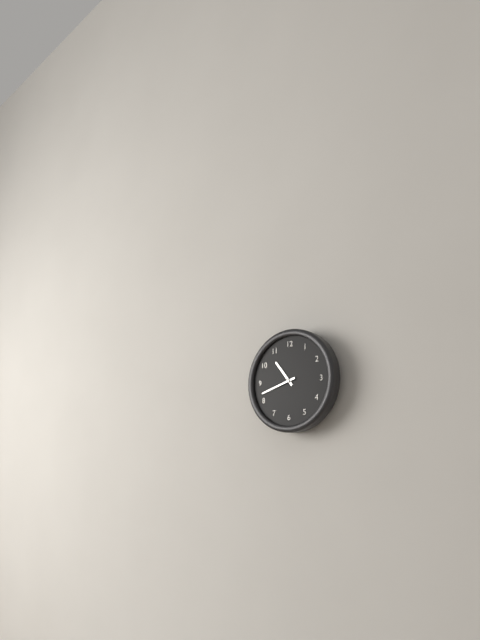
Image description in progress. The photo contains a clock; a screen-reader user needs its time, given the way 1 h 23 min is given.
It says 10 h 42 min
